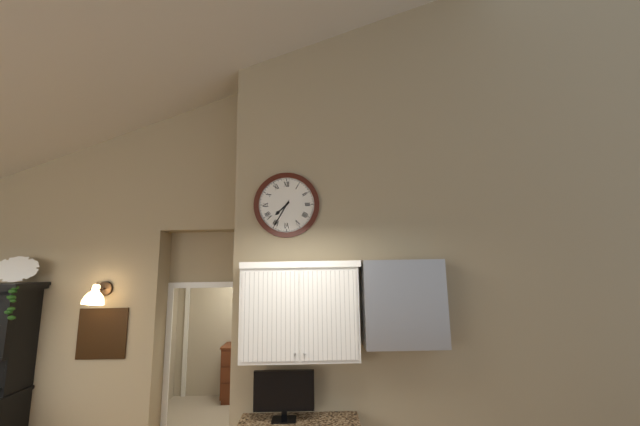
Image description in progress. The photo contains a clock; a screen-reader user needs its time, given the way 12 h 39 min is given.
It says 7 h 35 min
